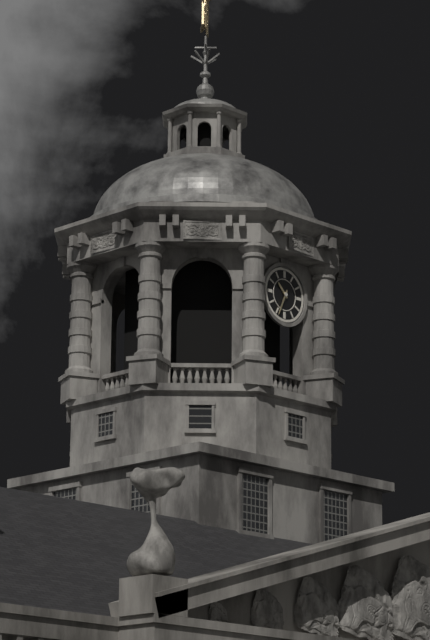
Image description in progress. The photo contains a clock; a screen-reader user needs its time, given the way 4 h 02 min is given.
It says 10 h 34 min
